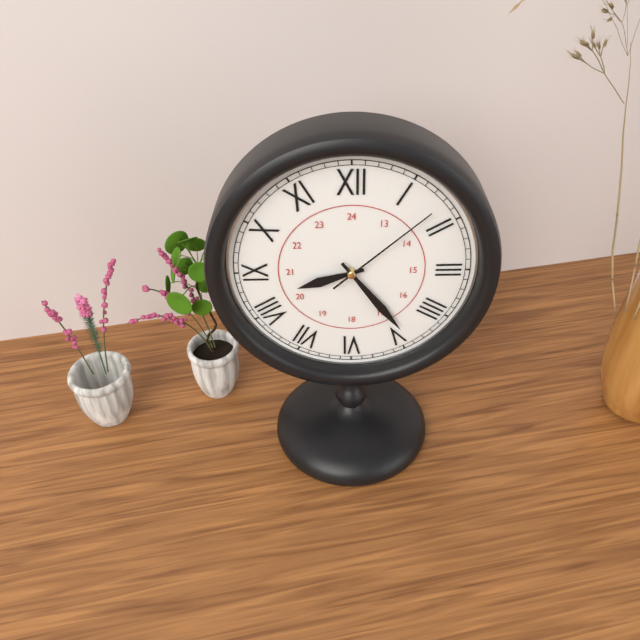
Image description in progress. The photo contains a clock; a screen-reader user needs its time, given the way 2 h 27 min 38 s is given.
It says 8 h 24 min 08 s
